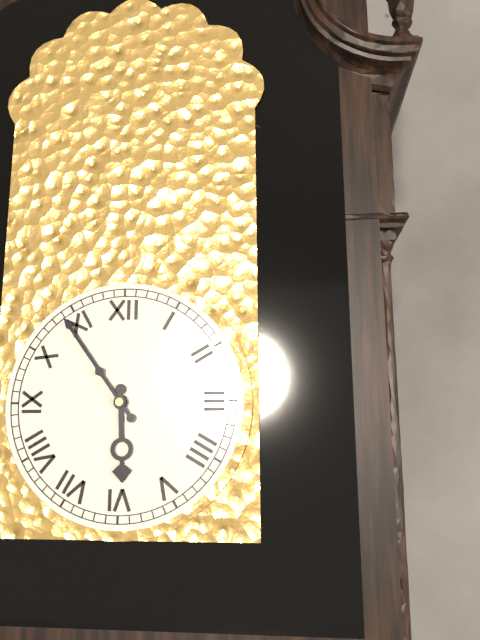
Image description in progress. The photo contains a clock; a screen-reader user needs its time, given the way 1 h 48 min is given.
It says 5 h 54 min
